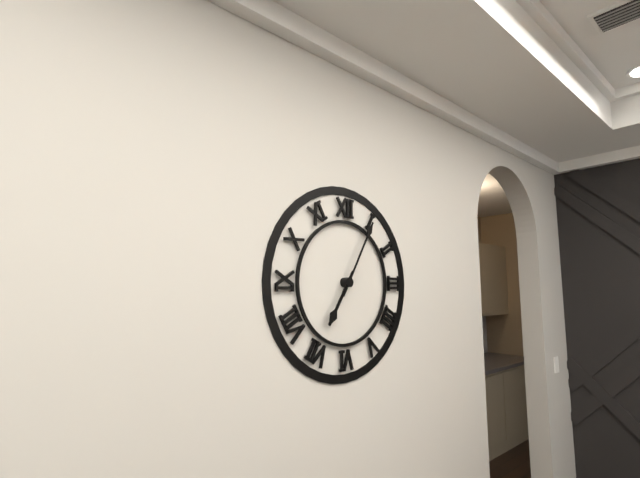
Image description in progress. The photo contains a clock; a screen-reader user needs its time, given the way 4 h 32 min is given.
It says 7 h 05 min
